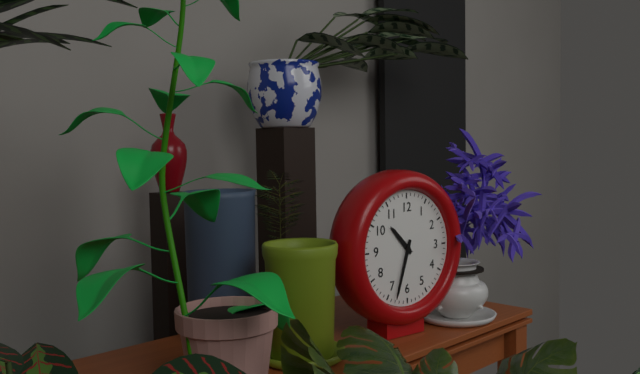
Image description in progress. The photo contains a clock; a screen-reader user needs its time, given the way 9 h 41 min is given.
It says 10 h 33 min
